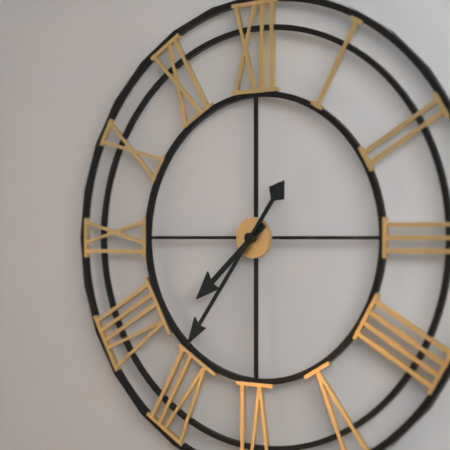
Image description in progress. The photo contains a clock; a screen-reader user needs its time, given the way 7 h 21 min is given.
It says 7 h 36 min
